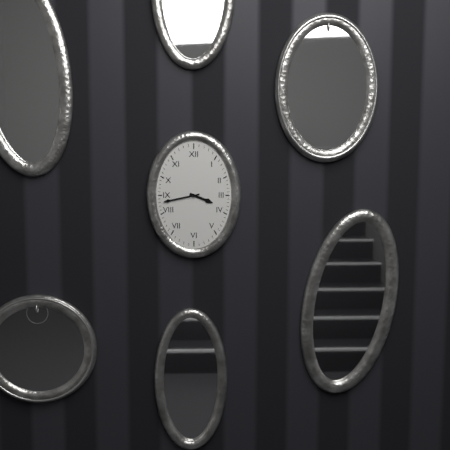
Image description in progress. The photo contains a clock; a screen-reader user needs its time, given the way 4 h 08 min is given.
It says 3 h 43 min
